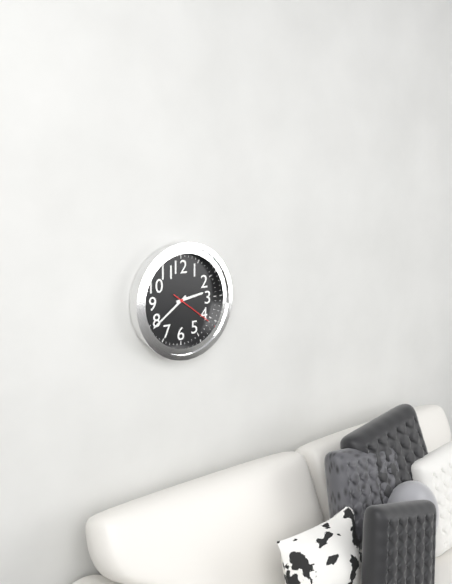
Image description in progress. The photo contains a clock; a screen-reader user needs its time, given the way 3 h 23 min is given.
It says 2 h 39 min
